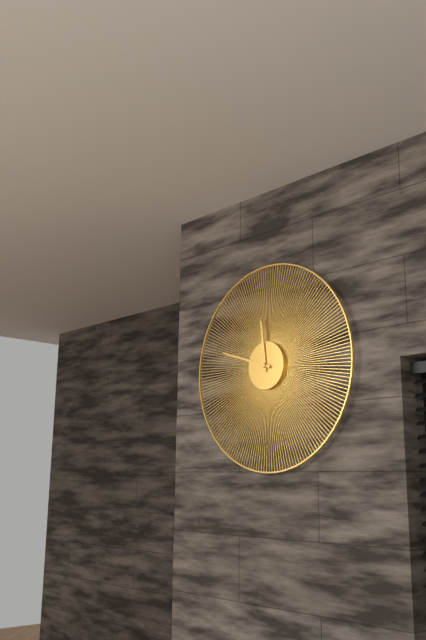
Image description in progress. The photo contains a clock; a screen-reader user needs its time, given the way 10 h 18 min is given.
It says 11 h 48 min
